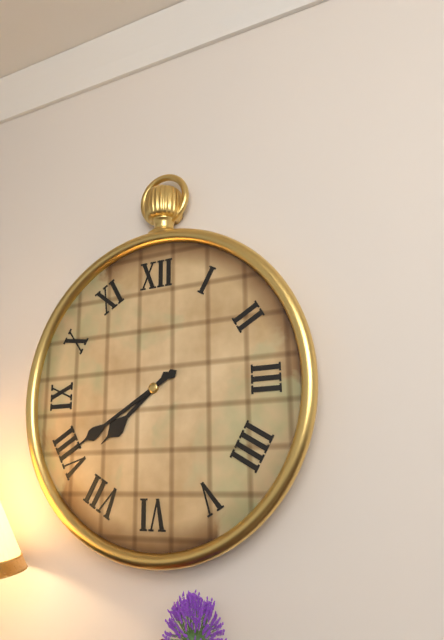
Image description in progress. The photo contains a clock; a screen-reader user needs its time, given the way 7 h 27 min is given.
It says 7 h 40 min
